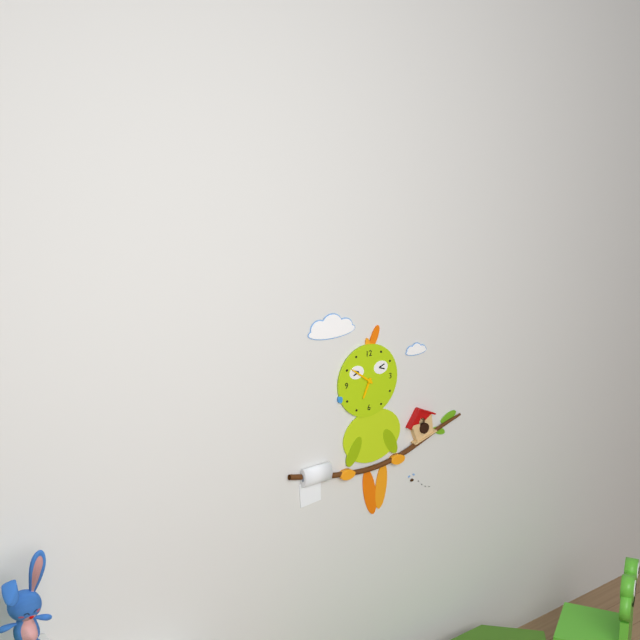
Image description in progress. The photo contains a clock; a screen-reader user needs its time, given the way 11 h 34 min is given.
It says 6 h 51 min
